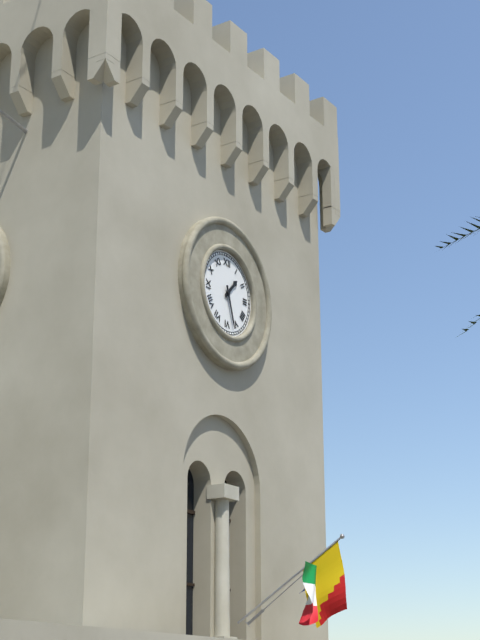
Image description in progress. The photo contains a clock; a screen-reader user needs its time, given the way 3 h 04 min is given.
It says 1 h 27 min
